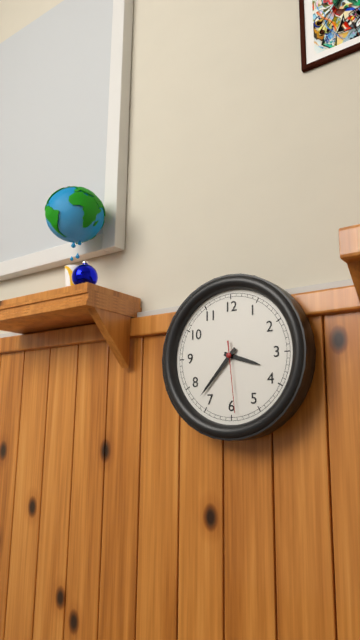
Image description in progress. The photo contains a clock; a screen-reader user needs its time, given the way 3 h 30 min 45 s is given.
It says 3 h 37 min 29 s
